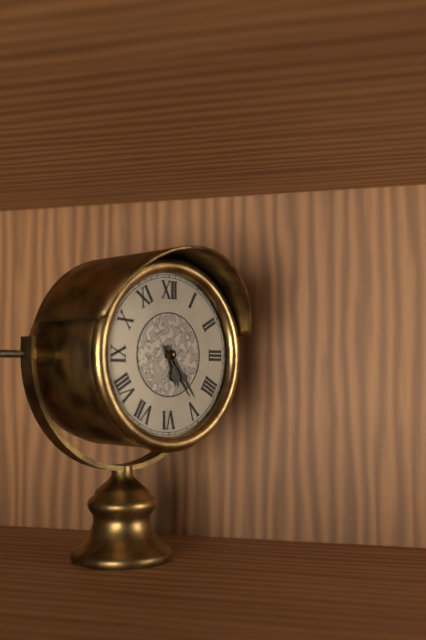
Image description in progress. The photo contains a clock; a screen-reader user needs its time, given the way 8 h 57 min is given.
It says 5 h 24 min
